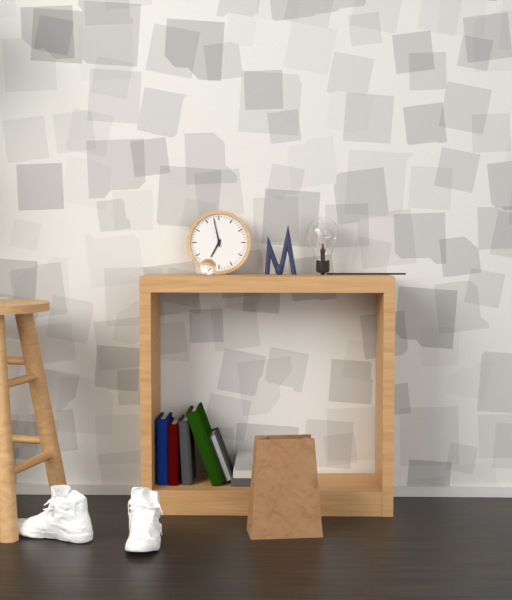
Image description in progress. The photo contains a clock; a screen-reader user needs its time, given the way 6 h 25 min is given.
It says 6 h 58 min
